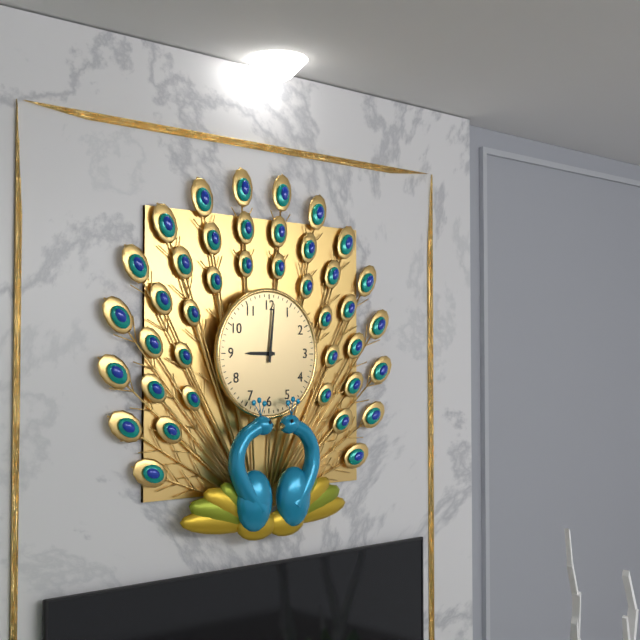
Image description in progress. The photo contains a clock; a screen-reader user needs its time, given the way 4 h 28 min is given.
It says 9 h 01 min
